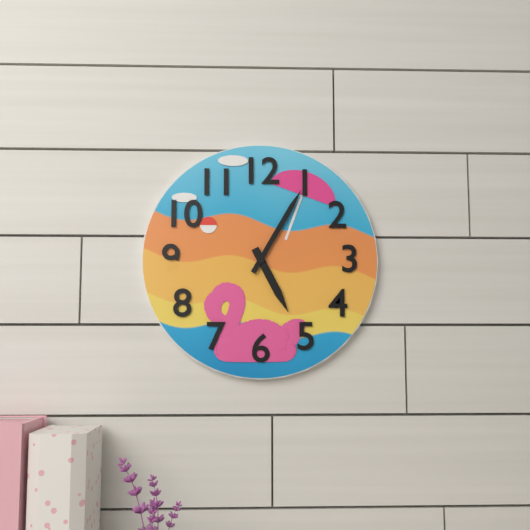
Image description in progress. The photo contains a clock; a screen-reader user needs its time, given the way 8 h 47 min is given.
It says 5 h 05 min
